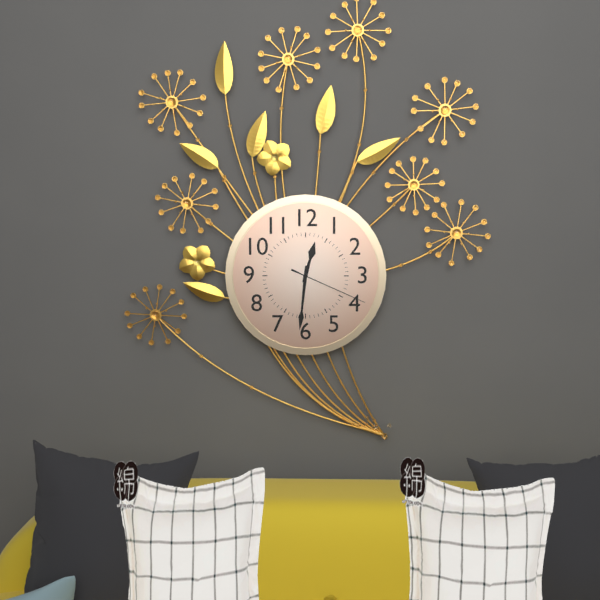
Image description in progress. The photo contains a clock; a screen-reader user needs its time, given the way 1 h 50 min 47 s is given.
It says 12 h 31 min 19 s
